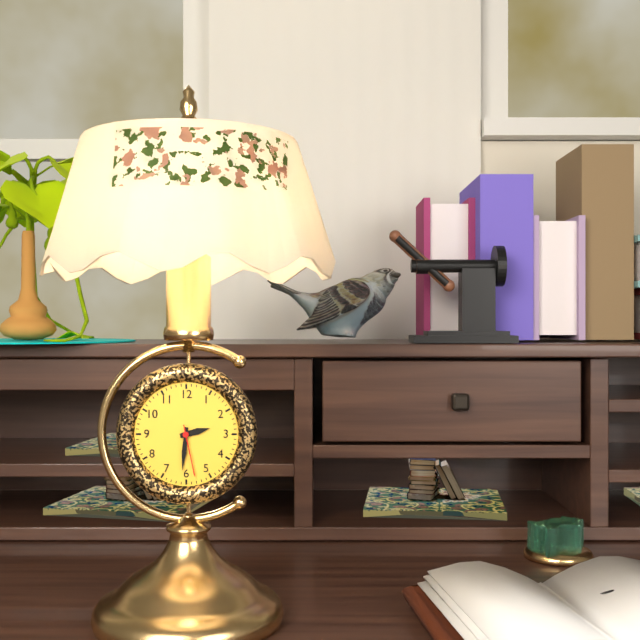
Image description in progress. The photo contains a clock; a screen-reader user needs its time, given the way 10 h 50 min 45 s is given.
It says 2 h 31 min 28 s
